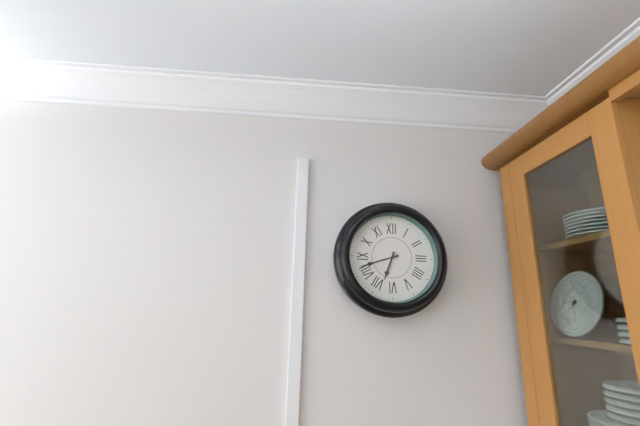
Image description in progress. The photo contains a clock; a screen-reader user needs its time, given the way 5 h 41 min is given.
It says 6 h 42 min
